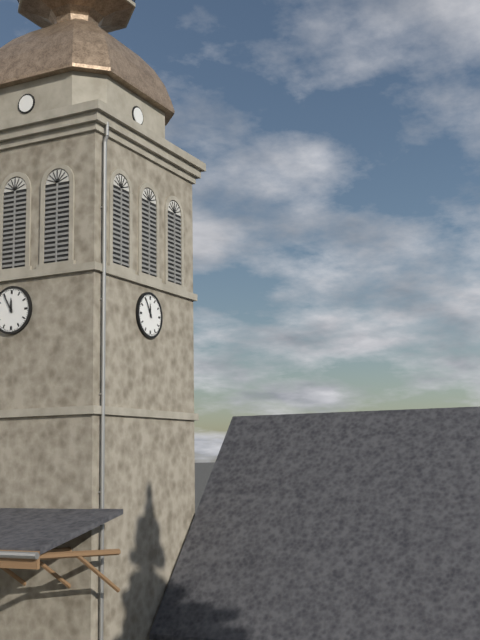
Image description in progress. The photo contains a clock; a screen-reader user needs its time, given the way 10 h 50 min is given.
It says 11 h 55 min
